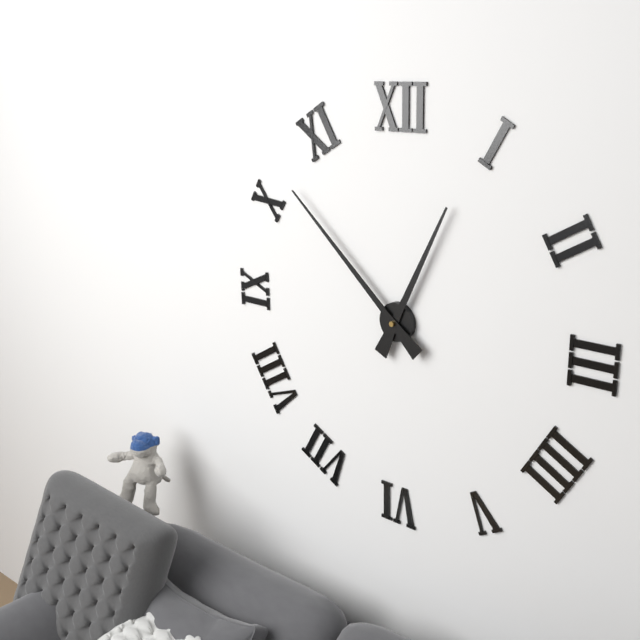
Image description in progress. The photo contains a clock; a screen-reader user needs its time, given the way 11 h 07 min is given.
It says 12 h 52 min
